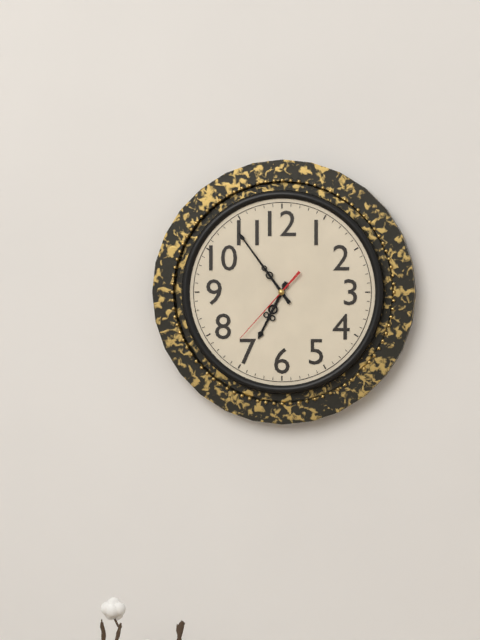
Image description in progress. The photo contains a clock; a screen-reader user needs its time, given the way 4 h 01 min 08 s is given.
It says 6 h 54 min 37 s
